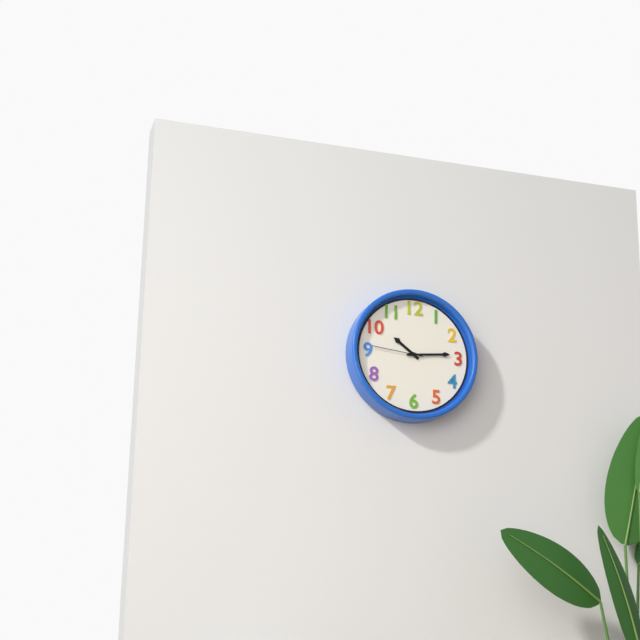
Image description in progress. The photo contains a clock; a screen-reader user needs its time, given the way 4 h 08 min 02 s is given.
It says 10 h 14 min 46 s
